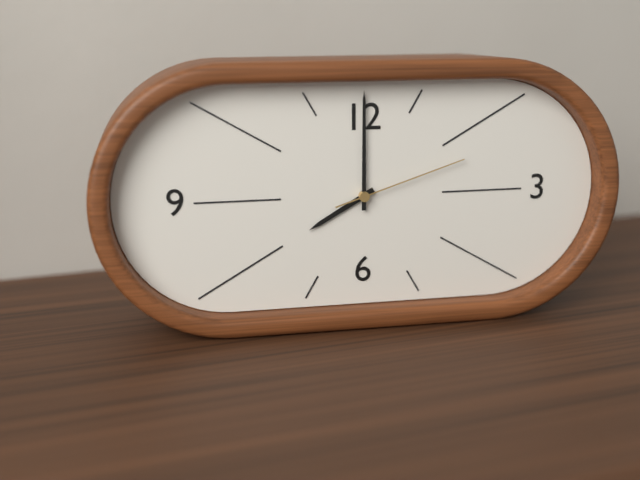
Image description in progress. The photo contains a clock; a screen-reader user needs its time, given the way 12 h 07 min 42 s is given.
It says 8 h 00 min 12 s
